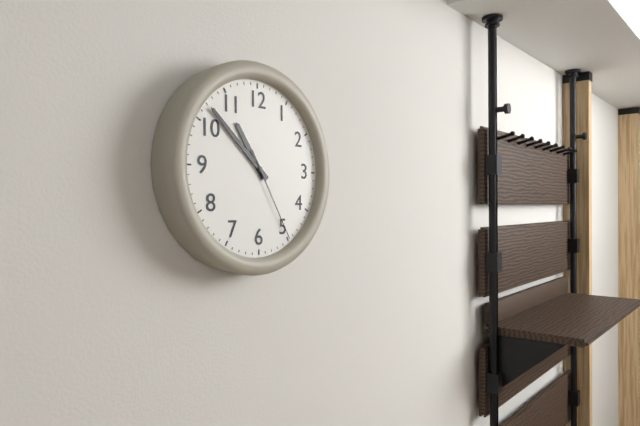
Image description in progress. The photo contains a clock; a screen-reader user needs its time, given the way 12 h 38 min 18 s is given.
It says 10 h 52 min 25 s
